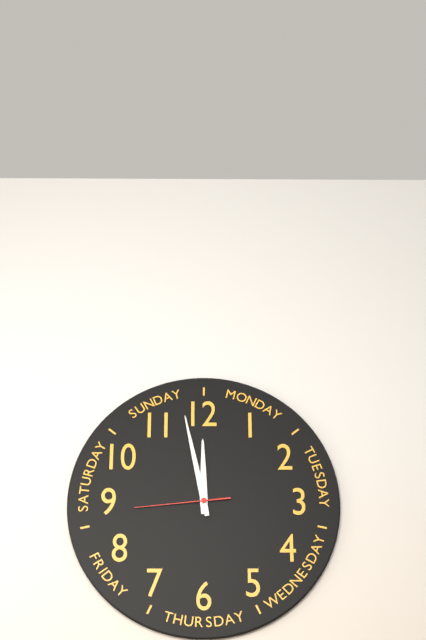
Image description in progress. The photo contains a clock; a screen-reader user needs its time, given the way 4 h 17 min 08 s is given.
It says 11 h 58 min 44 s
